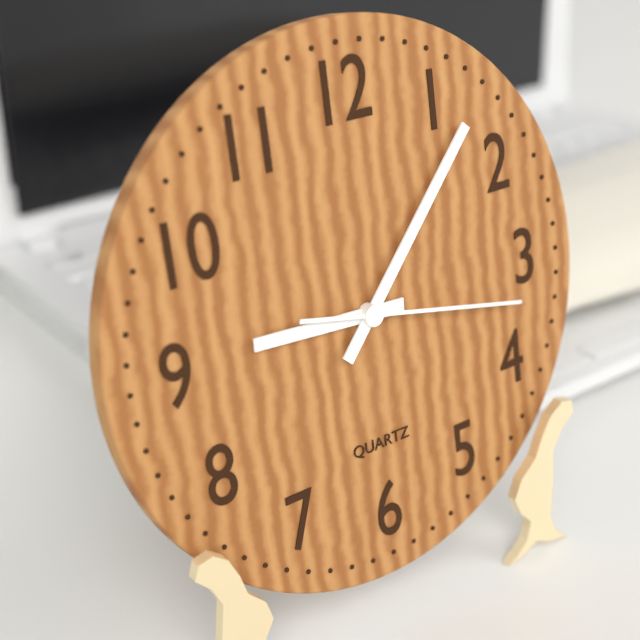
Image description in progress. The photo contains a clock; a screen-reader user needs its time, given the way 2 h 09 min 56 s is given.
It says 9 h 07 min 17 s
